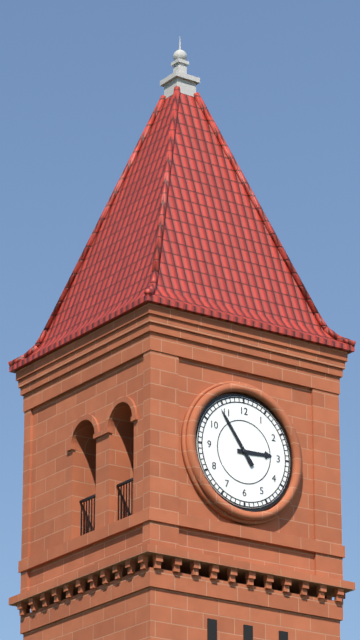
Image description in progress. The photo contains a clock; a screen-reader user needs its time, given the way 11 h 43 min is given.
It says 2 h 54 min
